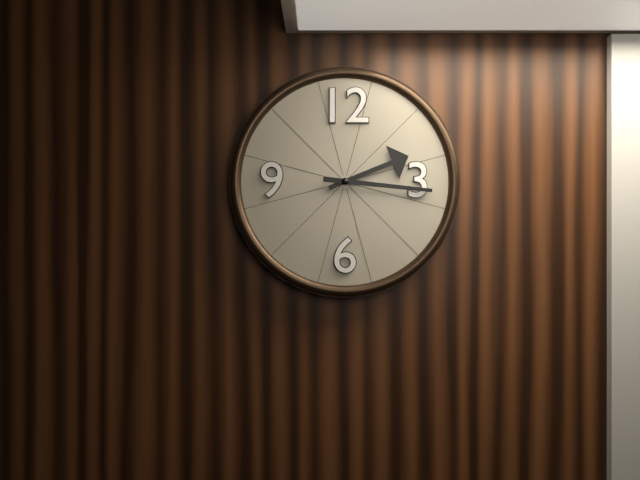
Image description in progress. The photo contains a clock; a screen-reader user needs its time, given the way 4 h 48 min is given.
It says 2 h 16 min
